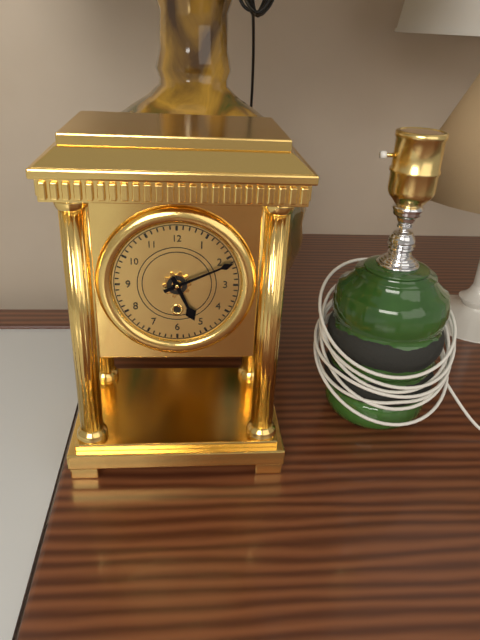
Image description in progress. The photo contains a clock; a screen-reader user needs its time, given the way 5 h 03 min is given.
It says 5 h 11 min
